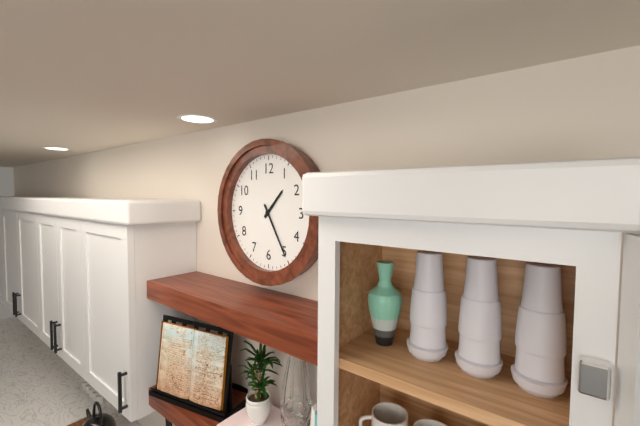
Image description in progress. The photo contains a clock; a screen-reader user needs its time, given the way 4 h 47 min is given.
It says 1 h 25 min
